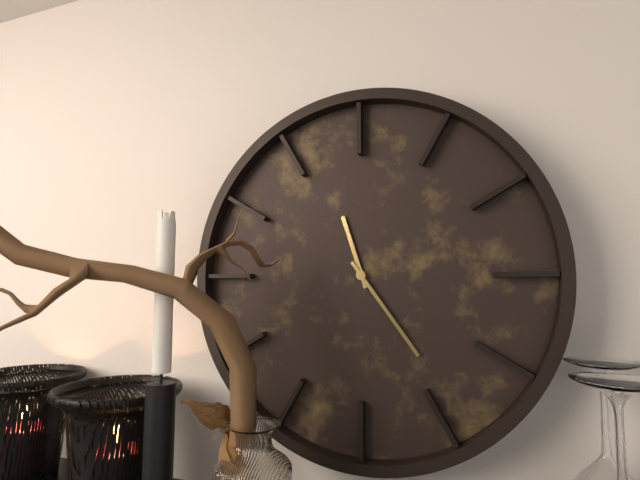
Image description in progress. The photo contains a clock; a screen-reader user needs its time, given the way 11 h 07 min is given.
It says 11 h 24 min
